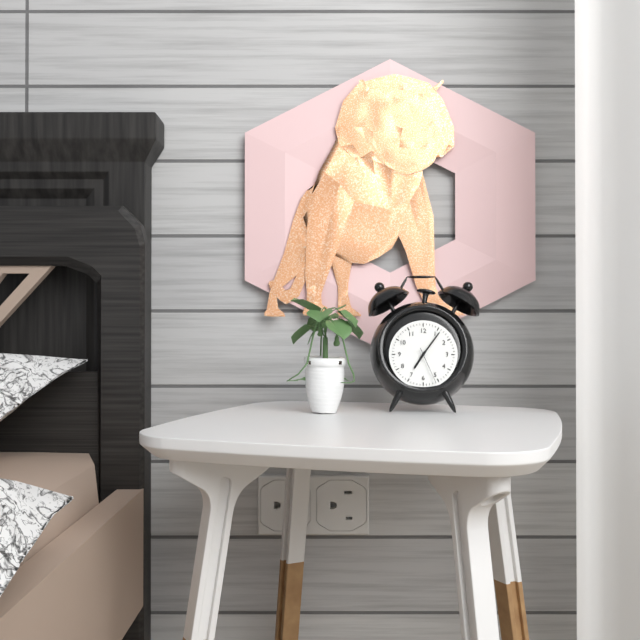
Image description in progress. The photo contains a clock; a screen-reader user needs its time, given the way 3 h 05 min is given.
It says 7 h 06 min
